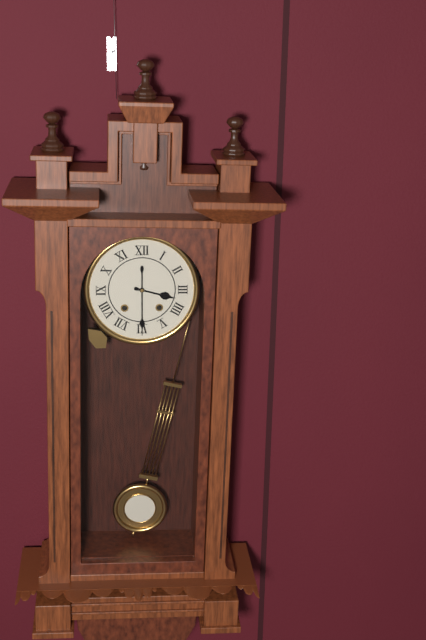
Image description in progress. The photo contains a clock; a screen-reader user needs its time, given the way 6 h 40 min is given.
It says 3 h 30 min
